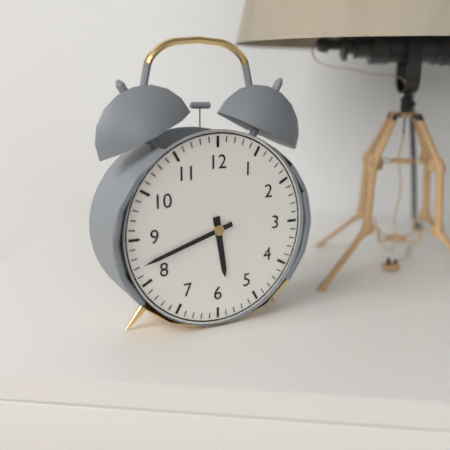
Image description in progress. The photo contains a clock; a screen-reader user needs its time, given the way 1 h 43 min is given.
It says 5 h 42 min
